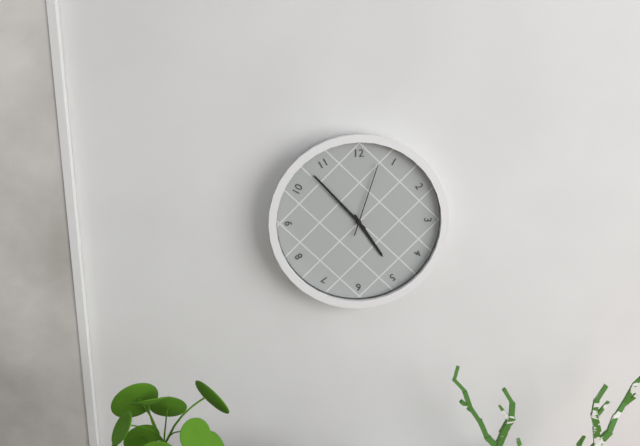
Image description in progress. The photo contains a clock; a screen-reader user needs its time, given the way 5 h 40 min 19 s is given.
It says 4 h 53 min 03 s
